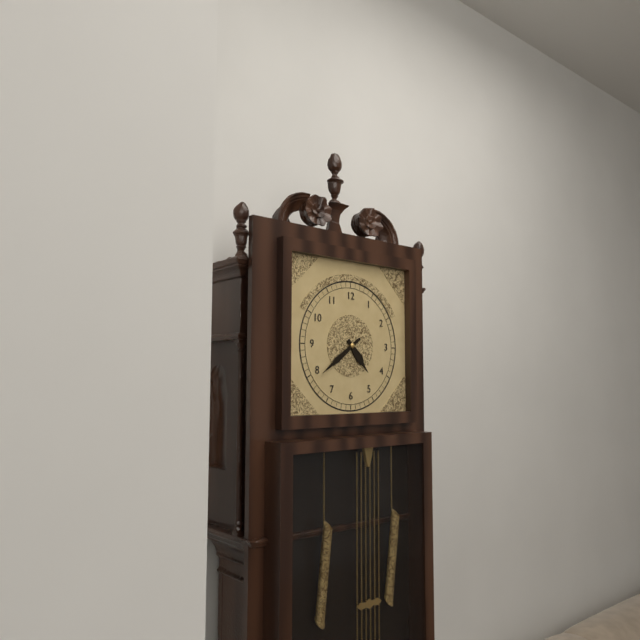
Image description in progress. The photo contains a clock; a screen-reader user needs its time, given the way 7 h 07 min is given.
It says 4 h 39 min
